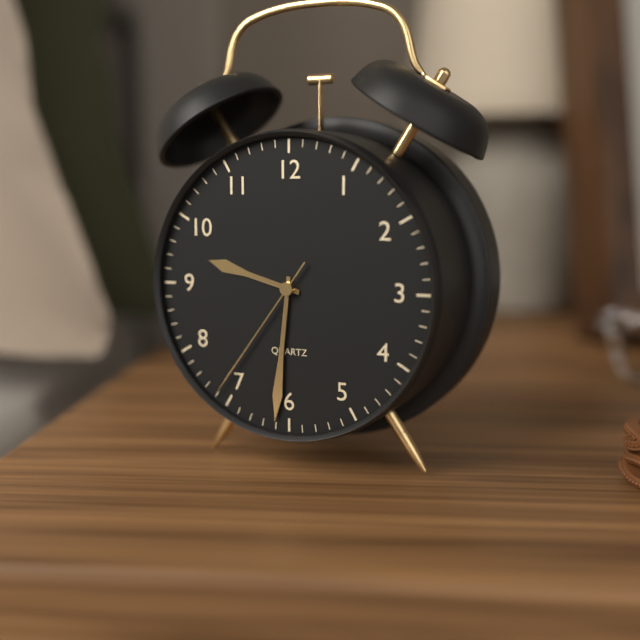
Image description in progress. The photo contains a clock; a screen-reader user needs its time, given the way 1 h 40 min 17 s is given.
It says 9 h 31 min 36 s
